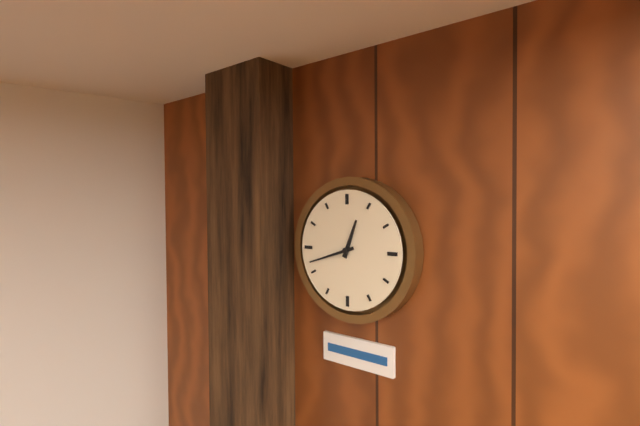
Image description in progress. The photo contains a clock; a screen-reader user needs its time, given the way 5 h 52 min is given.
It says 12 h 42 min
